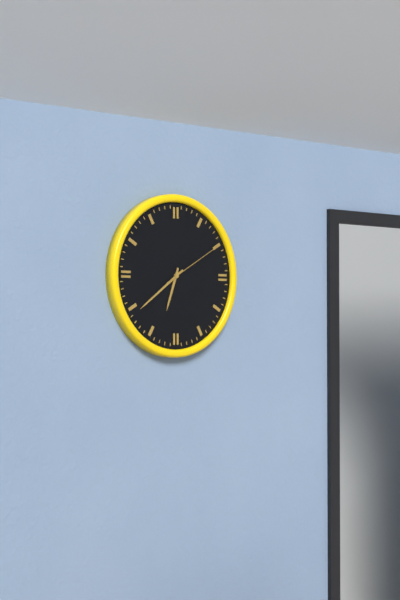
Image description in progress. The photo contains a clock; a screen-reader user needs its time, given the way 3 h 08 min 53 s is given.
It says 6 h 39 min 10 s
